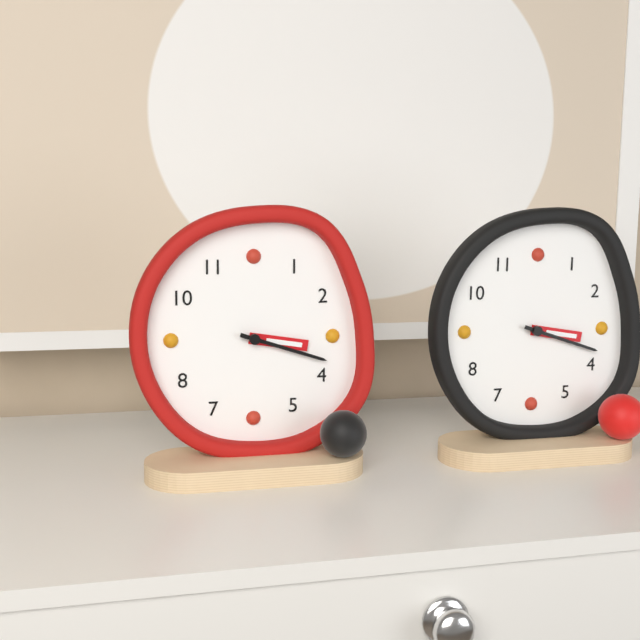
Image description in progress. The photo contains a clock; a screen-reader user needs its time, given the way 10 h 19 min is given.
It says 3 h 18 min
